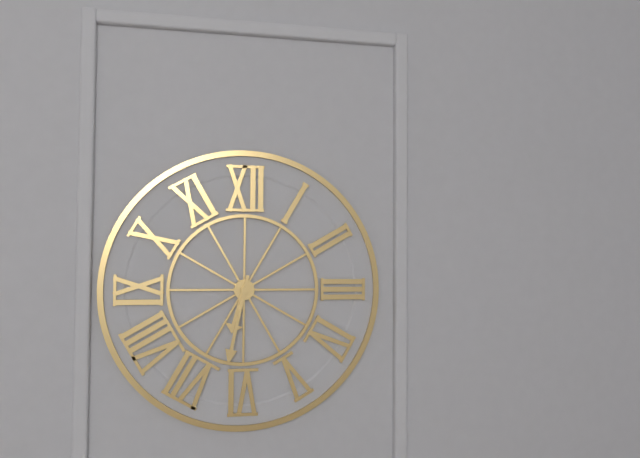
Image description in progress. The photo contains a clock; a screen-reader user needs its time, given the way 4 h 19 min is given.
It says 6 h 32 min
